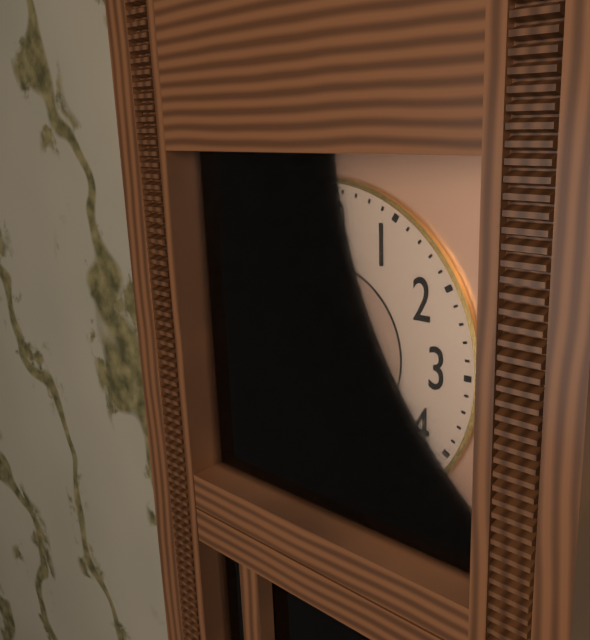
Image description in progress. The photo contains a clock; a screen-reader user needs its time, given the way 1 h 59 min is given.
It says 5 h 25 min
